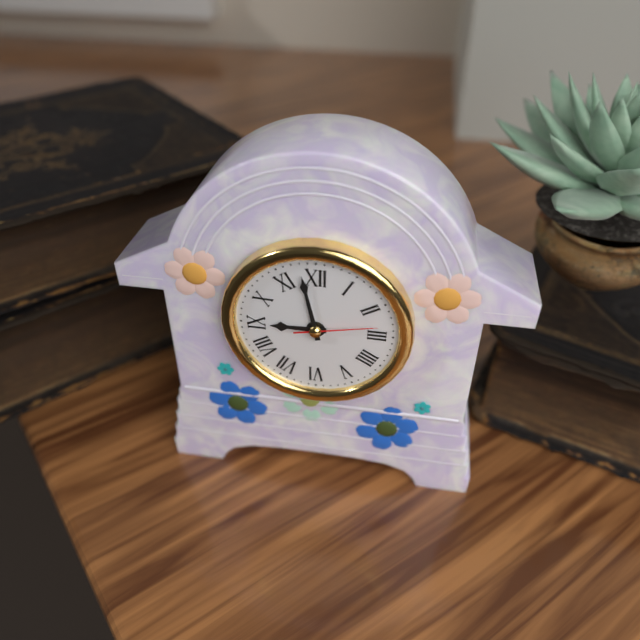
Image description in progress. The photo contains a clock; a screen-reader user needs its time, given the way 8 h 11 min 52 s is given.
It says 8 h 58 min 13 s
